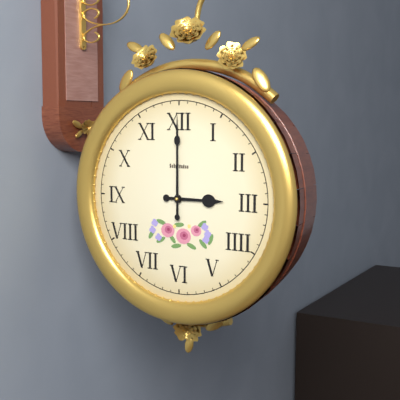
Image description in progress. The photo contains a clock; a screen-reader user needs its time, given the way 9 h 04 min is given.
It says 3 h 00 min
